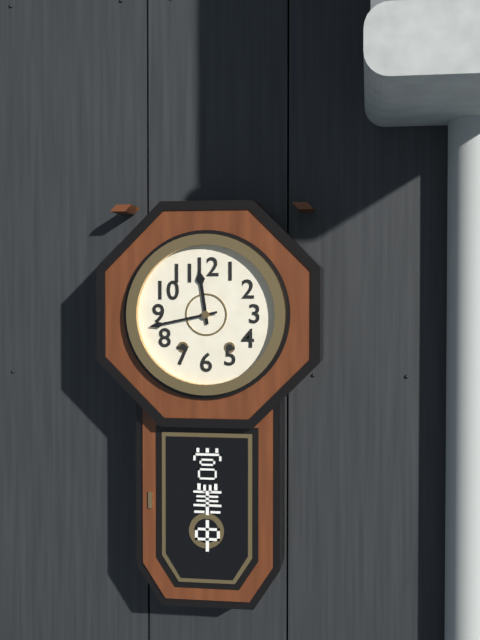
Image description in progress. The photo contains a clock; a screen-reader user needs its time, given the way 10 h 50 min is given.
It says 11 h 43 min
